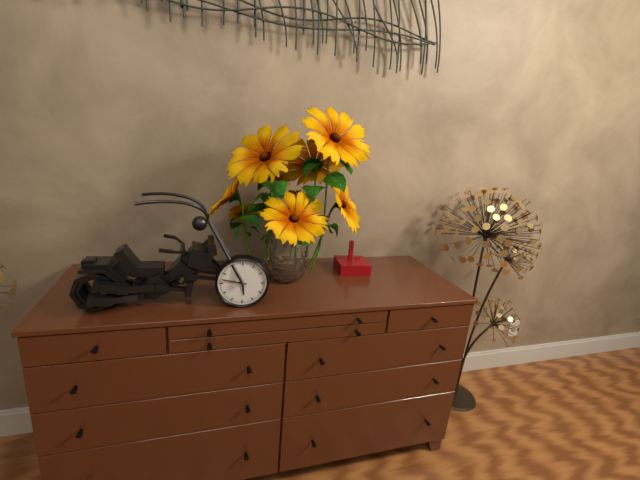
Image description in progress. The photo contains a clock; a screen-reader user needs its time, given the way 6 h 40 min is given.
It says 5 h 47 min
